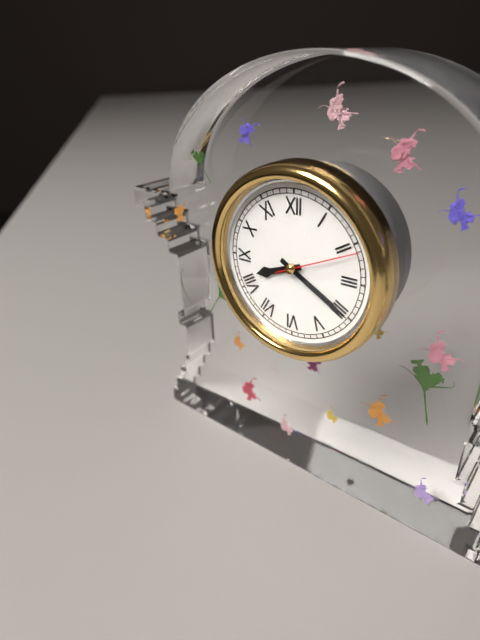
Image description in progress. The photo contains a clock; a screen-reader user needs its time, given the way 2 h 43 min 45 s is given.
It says 8 h 20 min 11 s
